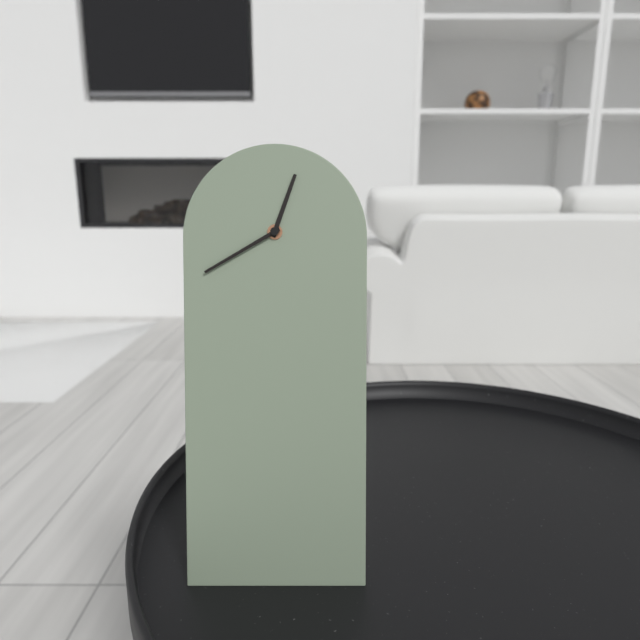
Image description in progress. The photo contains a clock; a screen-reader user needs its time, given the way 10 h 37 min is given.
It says 12 h 40 min
